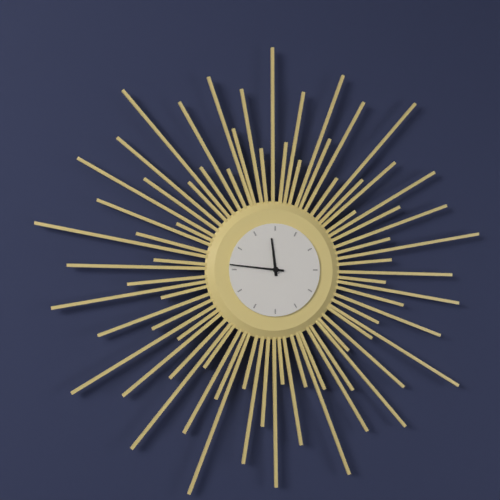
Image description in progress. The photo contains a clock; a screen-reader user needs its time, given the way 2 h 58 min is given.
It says 11 h 46 min
